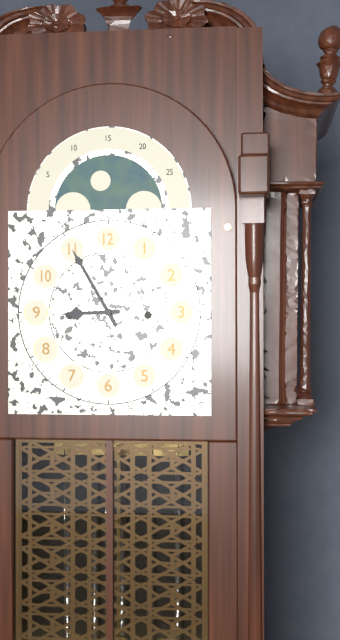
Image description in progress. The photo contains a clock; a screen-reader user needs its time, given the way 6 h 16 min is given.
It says 8 h 55 min
